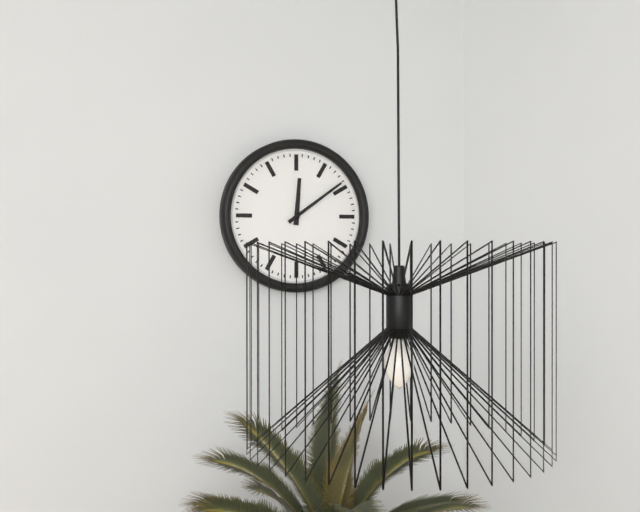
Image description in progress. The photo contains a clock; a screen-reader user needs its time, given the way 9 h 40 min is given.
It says 12 h 09 min
